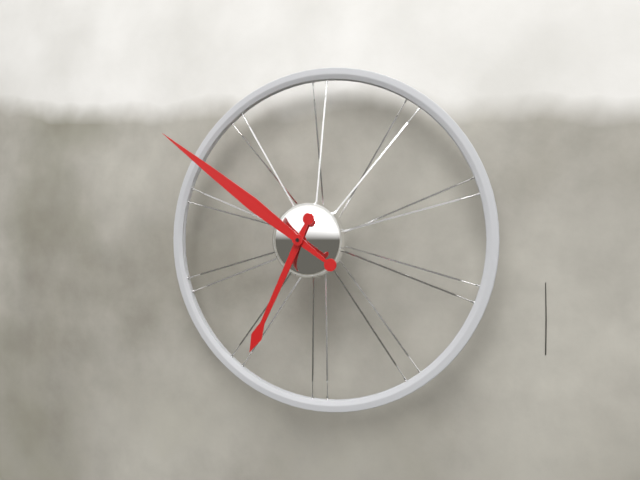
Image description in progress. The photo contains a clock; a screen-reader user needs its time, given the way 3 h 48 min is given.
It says 6 h 51 min
